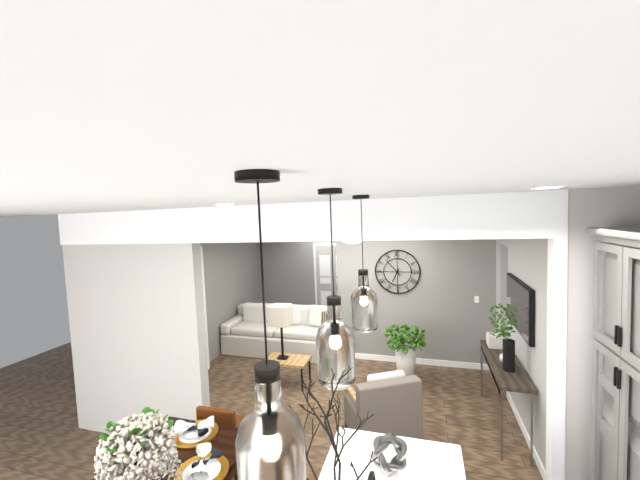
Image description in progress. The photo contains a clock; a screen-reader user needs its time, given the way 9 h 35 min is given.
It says 6 h 53 min
